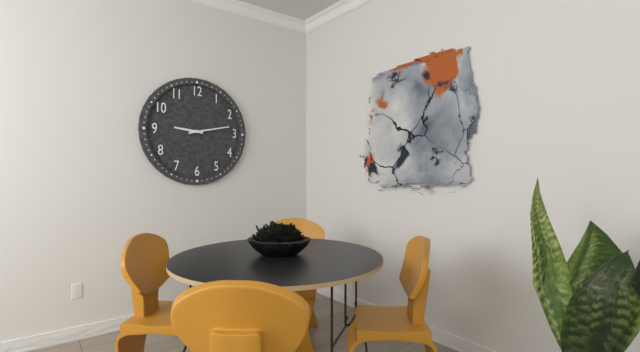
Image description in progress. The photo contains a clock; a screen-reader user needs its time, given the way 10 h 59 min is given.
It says 9 h 13 min
